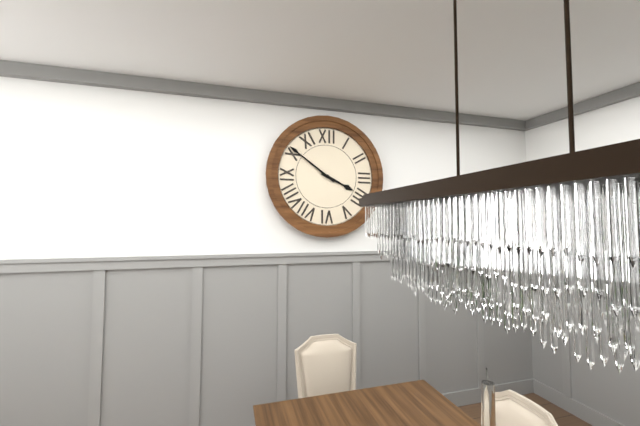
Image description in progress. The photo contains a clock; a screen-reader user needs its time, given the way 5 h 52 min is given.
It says 3 h 51 min
